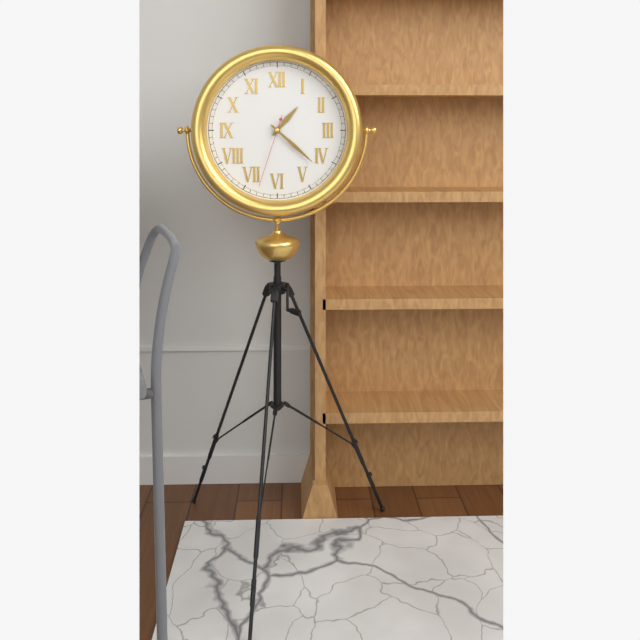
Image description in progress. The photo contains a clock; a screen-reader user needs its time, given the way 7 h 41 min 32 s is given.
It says 1 h 22 min 33 s
